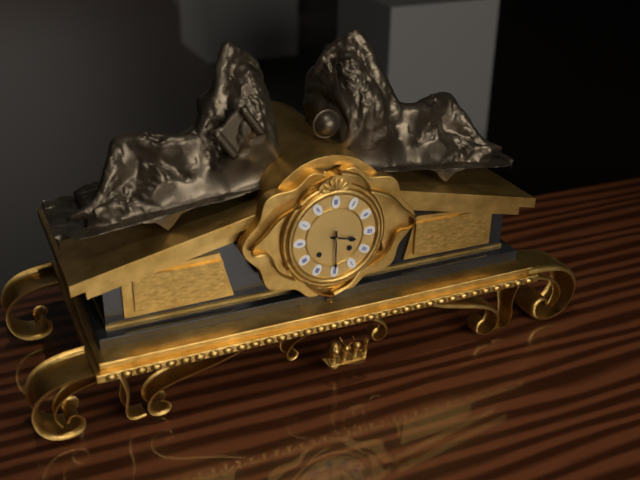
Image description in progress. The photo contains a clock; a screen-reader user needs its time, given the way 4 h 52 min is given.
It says 3 h 30 min
